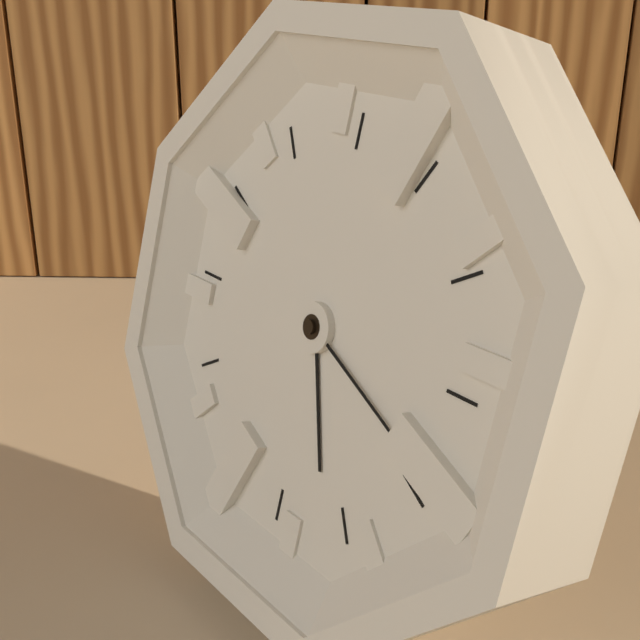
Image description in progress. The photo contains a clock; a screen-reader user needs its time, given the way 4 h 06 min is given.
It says 5 h 19 min
